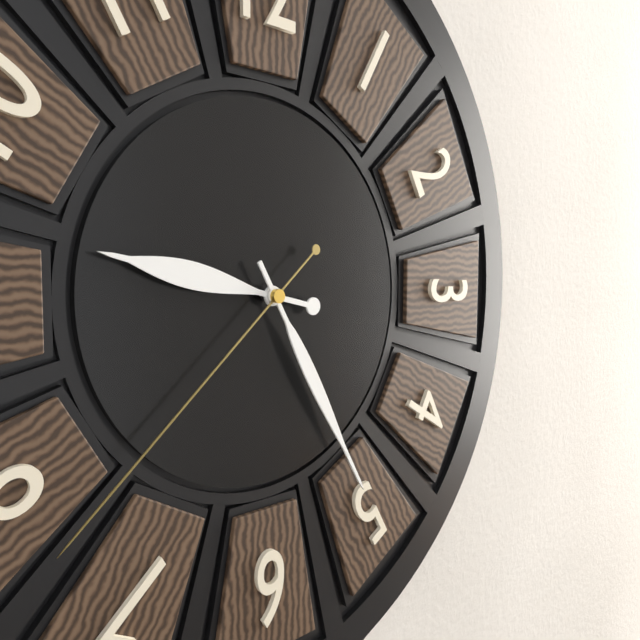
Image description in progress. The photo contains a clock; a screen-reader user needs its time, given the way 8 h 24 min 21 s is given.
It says 9 h 25 min 38 s
